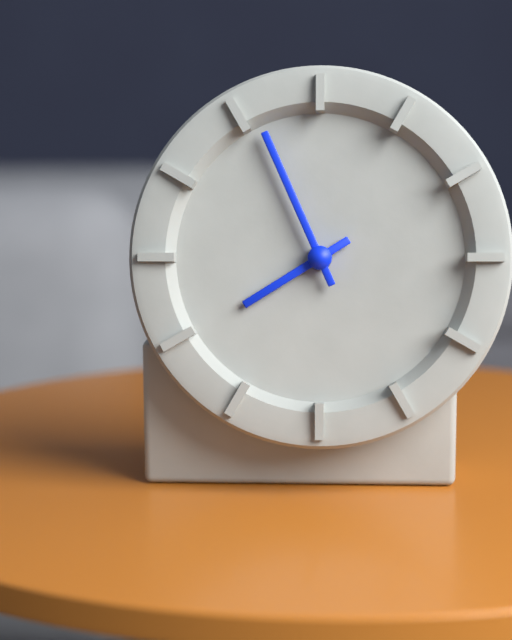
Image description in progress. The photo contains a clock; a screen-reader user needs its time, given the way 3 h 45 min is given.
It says 7 h 56 min
